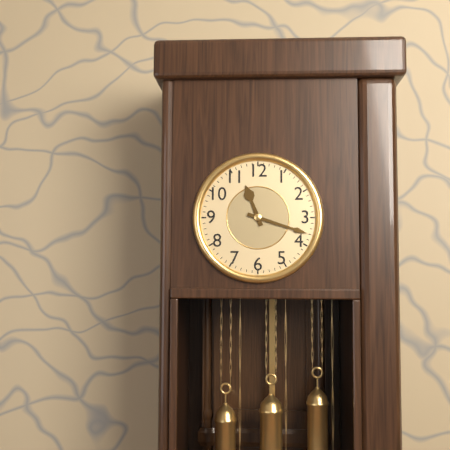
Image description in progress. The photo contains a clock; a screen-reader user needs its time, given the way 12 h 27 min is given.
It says 11 h 18 min
